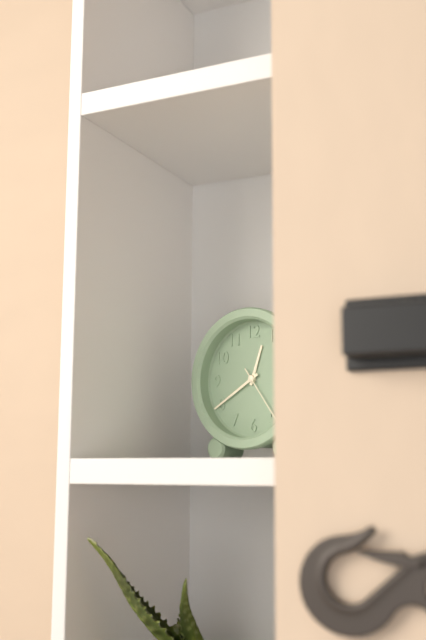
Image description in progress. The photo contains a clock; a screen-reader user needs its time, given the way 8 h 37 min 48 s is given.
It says 12 h 40 min 24 s
